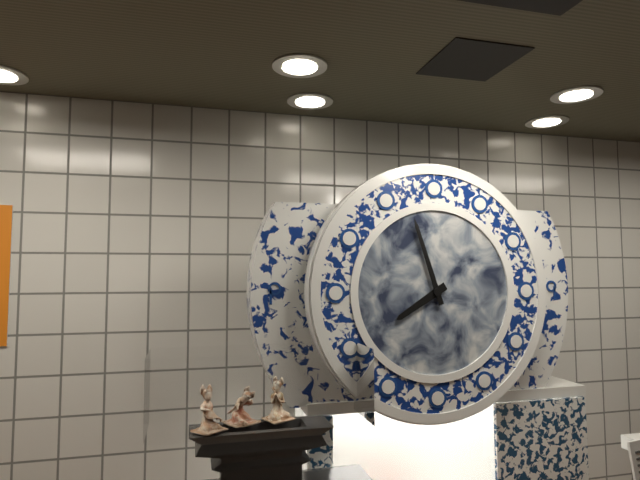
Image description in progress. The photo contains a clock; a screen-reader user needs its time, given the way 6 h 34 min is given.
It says 7 h 57 min
